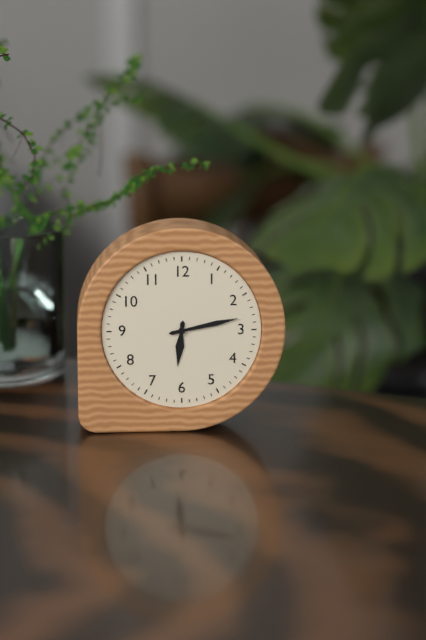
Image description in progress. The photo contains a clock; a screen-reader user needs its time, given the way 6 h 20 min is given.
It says 6 h 13 min
